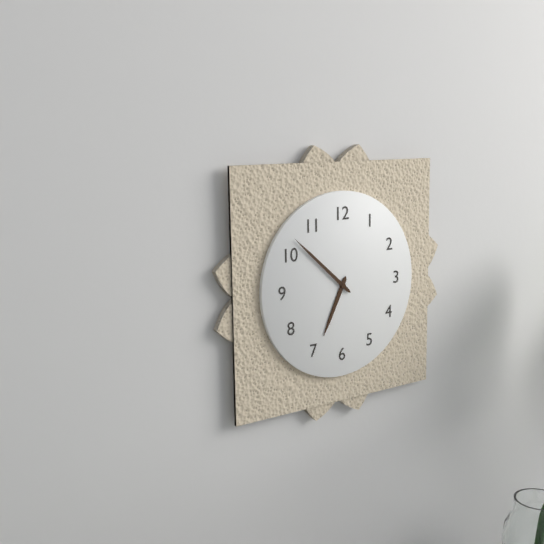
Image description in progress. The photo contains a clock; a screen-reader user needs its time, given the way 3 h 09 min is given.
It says 6 h 52 min
